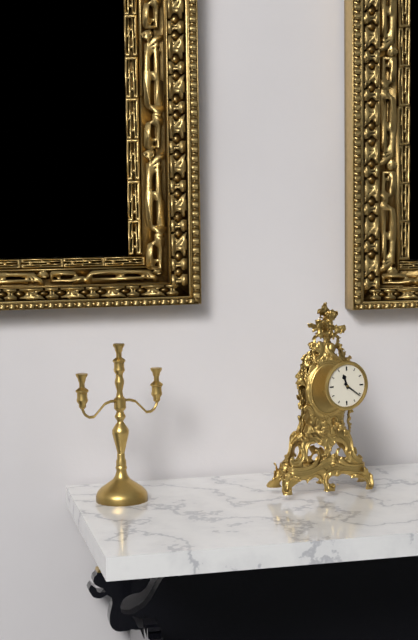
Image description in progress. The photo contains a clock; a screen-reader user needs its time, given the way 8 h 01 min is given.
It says 11 h 21 min
